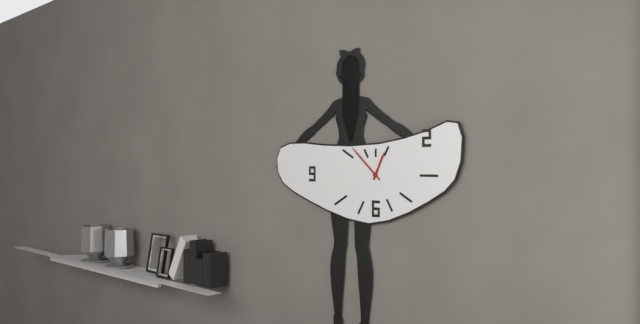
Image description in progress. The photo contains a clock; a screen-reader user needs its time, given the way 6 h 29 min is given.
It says 12 h 52 min
